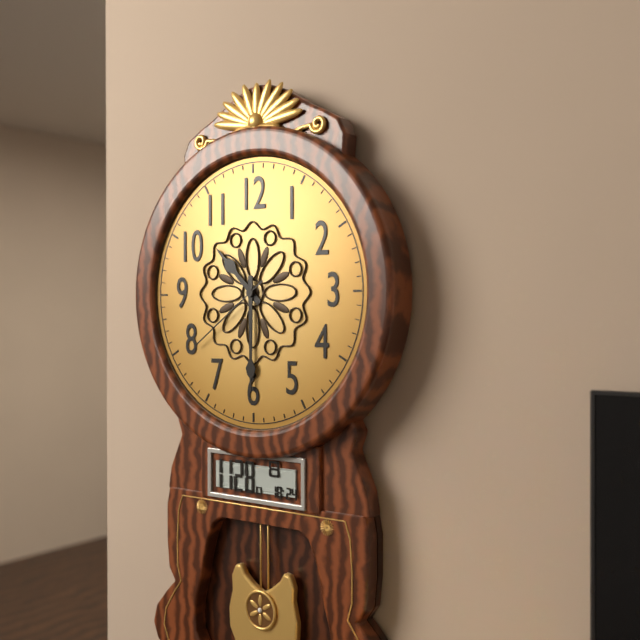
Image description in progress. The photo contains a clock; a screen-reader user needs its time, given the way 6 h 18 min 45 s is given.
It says 10 h 30 min 39 s
